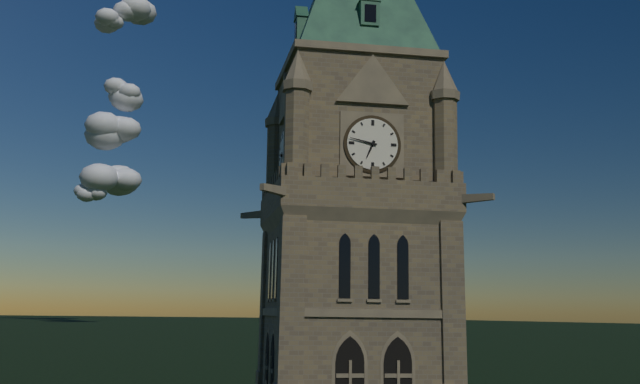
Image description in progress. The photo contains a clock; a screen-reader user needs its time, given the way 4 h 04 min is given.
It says 6 h 47 min
